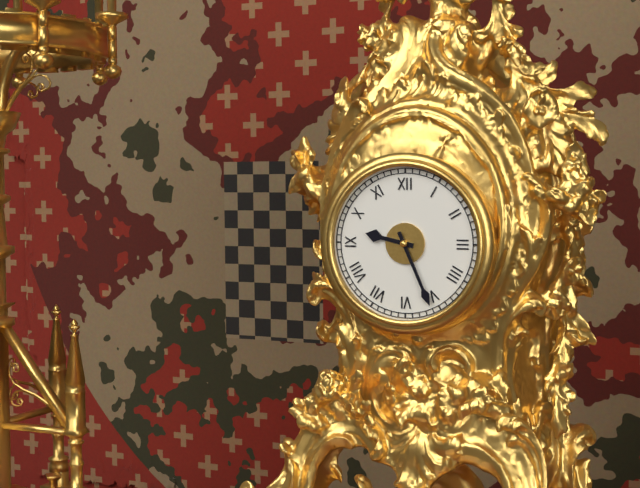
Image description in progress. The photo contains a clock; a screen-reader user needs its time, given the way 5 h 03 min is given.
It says 9 h 26 min
